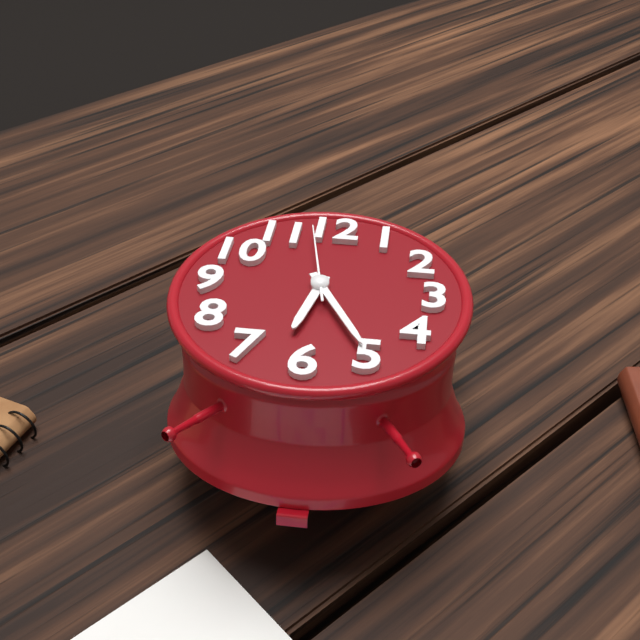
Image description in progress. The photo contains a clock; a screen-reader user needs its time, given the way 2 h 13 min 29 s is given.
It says 6 h 25 min 58 s
